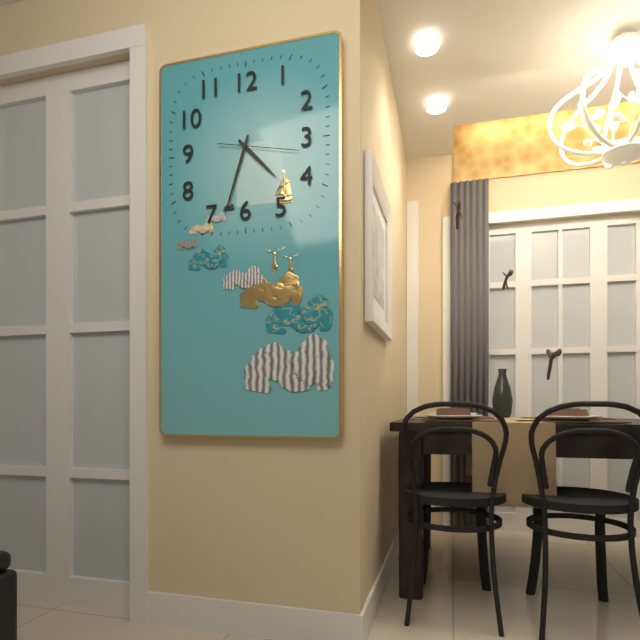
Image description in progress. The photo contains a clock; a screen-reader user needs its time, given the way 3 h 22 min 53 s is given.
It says 4 h 33 min 17 s
